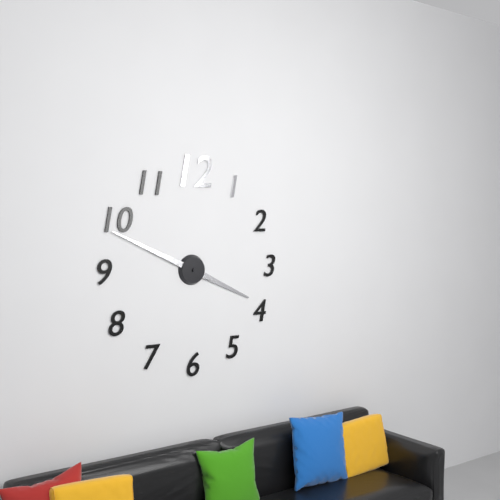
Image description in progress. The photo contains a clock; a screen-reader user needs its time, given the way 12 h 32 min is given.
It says 3 h 49 min
